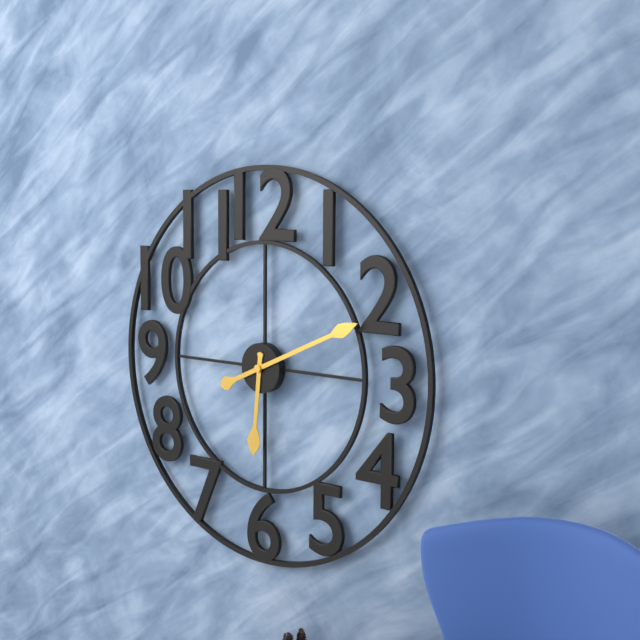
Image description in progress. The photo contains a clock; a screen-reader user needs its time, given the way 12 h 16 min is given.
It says 6 h 11 min
